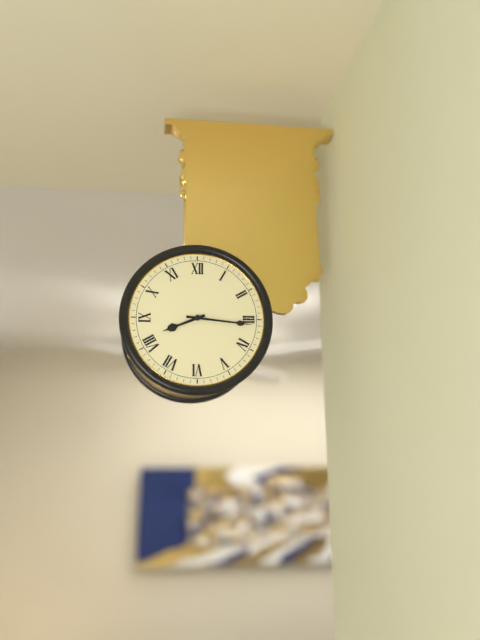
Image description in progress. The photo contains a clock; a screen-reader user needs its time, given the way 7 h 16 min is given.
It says 8 h 16 min
